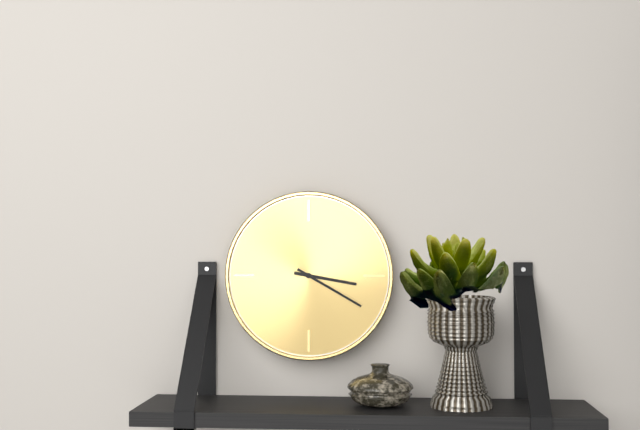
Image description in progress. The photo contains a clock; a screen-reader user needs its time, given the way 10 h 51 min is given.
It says 3 h 20 min
